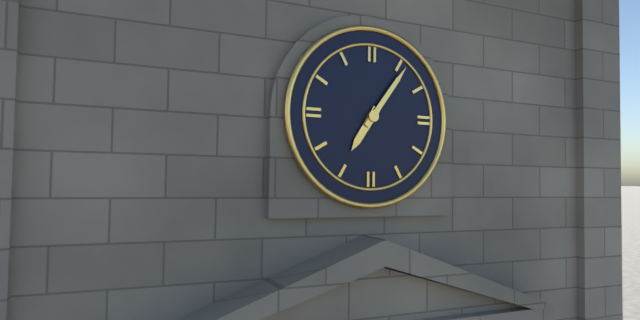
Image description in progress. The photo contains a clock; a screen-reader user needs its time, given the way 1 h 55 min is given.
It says 7 h 06 min
